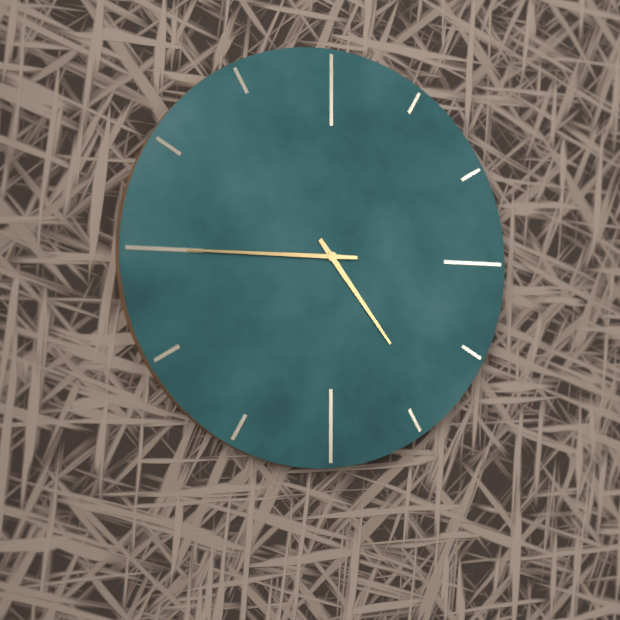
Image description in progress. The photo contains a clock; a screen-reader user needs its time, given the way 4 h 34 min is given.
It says 4 h 45 min
